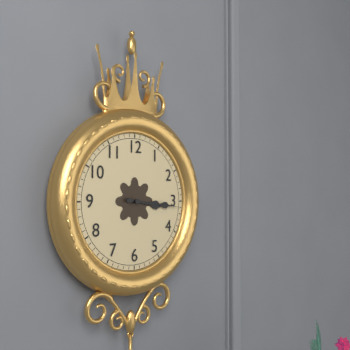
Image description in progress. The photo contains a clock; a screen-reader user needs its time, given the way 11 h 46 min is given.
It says 3 h 16 min
